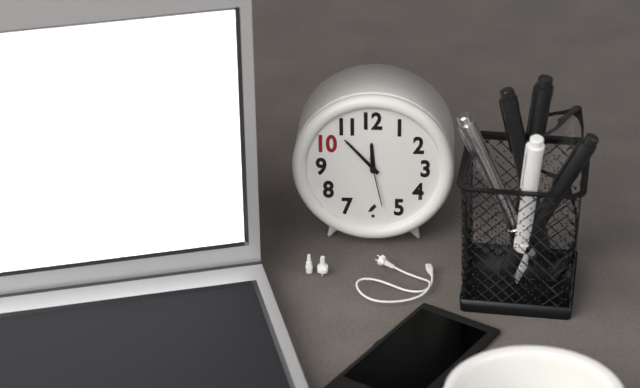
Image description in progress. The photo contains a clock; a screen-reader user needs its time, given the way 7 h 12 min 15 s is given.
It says 11 h 53 min 28 s
